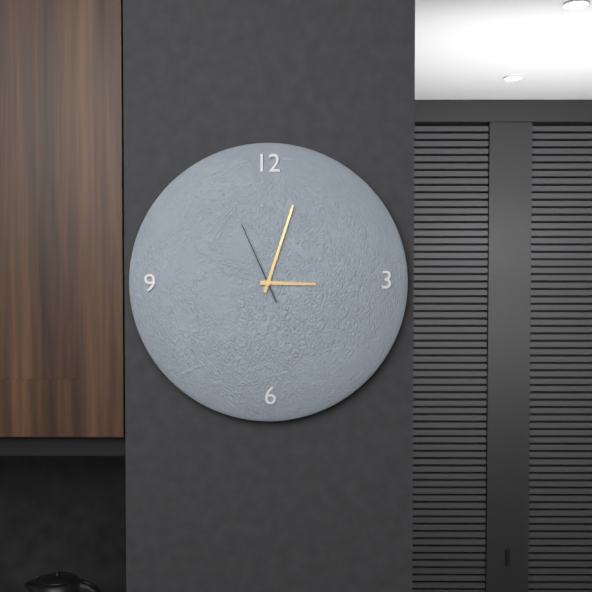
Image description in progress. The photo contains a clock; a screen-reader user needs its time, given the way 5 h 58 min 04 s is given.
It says 3 h 03 min 56 s
